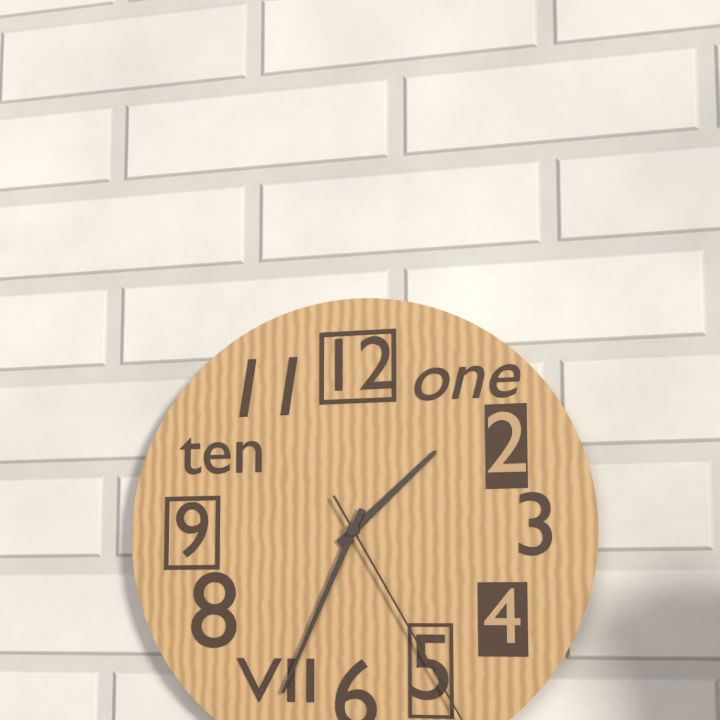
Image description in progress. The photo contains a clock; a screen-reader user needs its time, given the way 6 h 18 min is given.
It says 1 h 34 min
